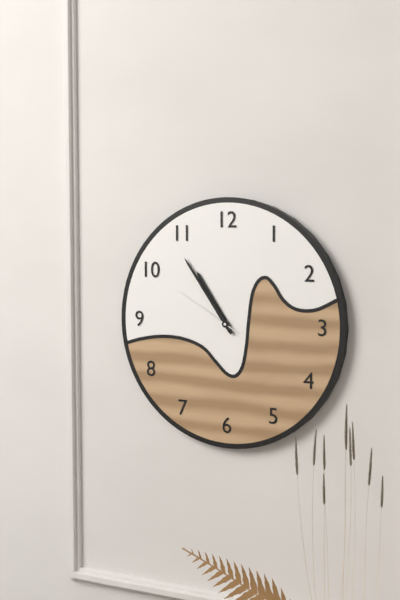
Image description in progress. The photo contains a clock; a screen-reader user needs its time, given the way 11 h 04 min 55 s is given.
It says 10 h 54 min 50 s
